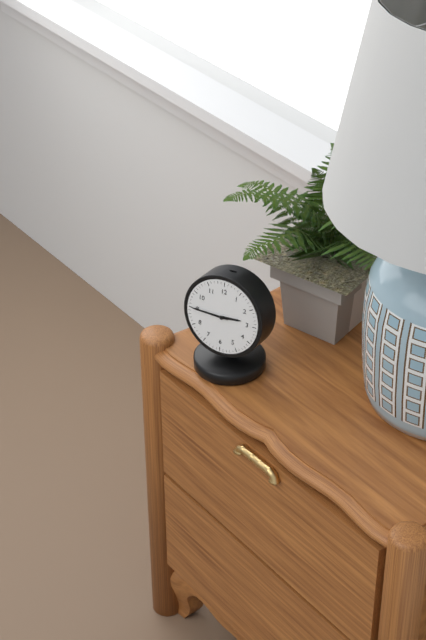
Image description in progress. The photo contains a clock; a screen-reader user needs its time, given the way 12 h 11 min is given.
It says 2 h 45 min
